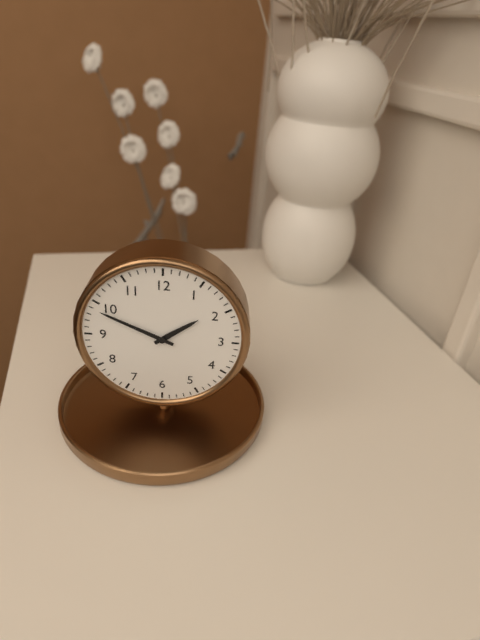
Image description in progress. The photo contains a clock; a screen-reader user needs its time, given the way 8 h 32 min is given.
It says 1 h 49 min
